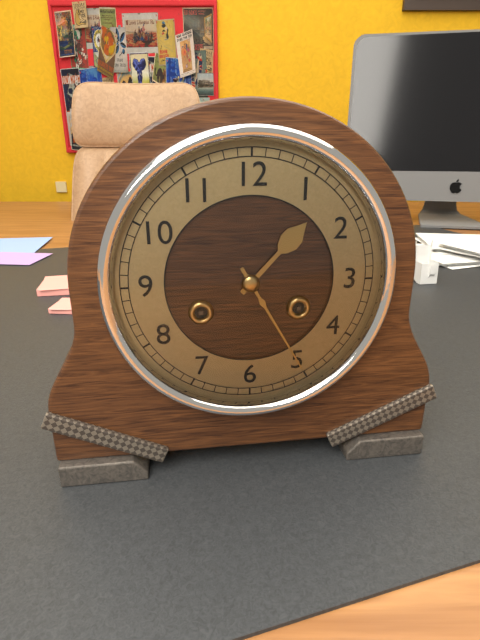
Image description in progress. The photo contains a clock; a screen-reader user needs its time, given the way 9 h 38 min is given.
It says 1 h 25 min
